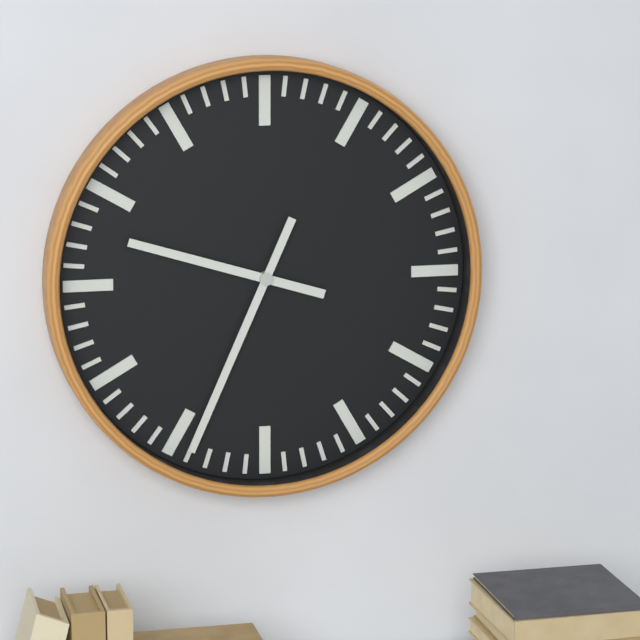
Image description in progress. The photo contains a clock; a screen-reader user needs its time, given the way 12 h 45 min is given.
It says 9 h 34 min
